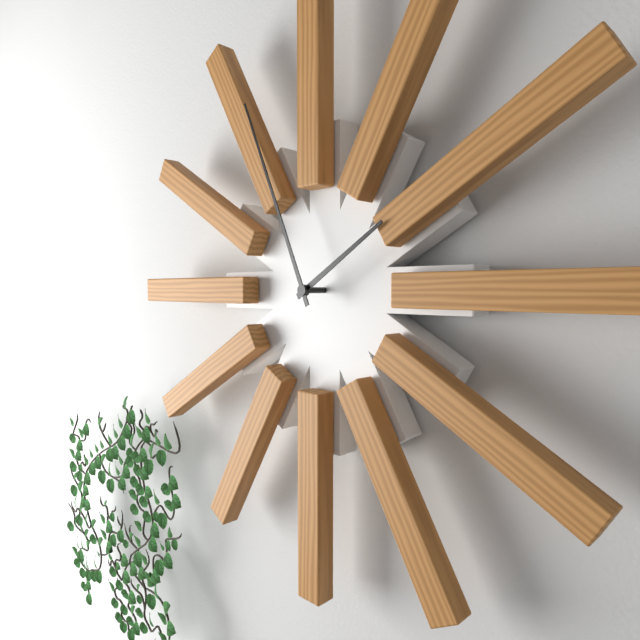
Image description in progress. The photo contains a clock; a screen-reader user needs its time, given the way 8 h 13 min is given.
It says 1 h 56 min
